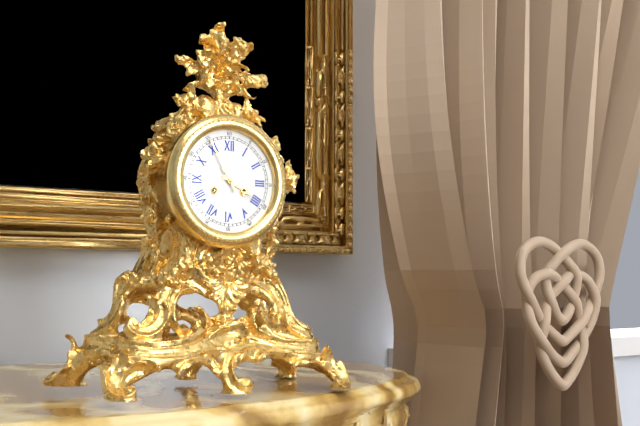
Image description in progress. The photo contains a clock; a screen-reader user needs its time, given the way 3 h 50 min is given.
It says 3 h 55 min
